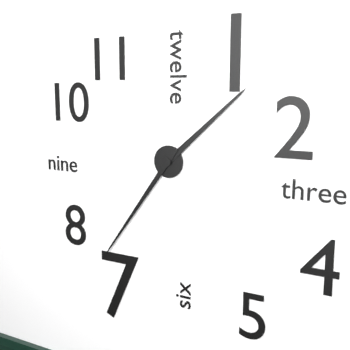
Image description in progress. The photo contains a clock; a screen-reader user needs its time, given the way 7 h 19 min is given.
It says 1 h 36 min
